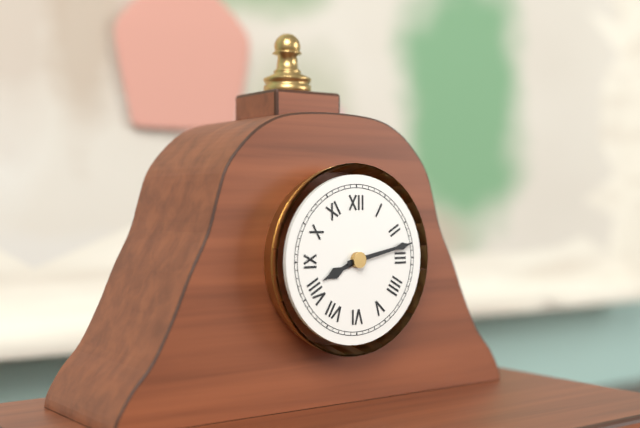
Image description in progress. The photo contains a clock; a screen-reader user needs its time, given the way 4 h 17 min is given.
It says 8 h 13 min
